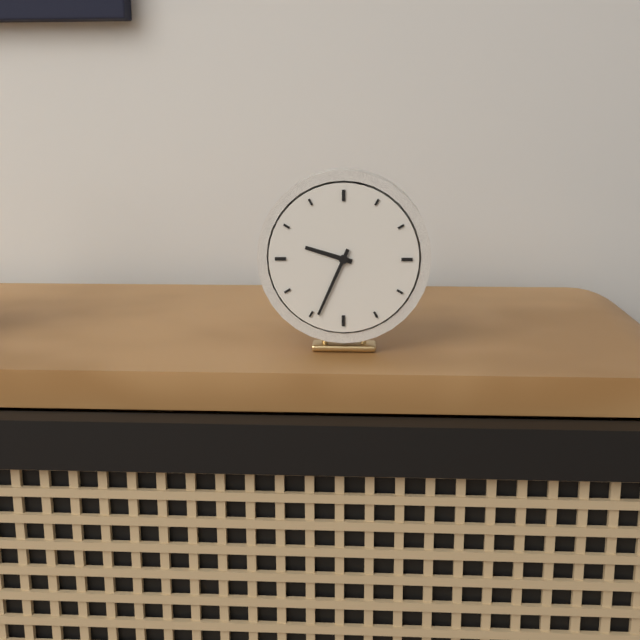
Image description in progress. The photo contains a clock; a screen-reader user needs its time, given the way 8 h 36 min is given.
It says 9 h 34 min
